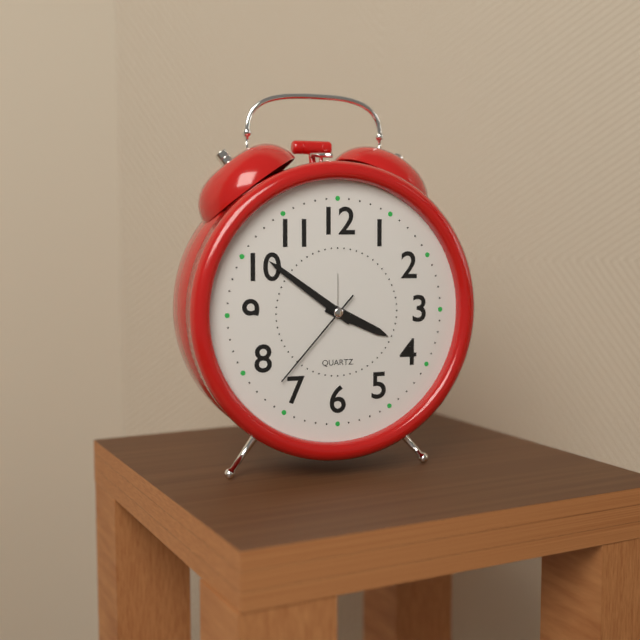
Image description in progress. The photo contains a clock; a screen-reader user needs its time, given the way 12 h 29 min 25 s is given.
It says 3 h 51 min 37 s
